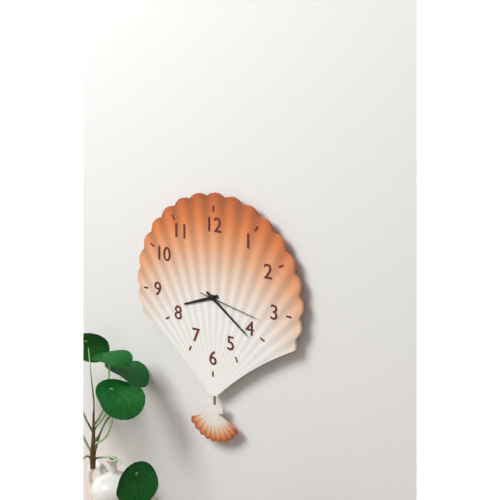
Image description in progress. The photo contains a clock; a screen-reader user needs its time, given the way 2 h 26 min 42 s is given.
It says 8 h 21 min 17 s
